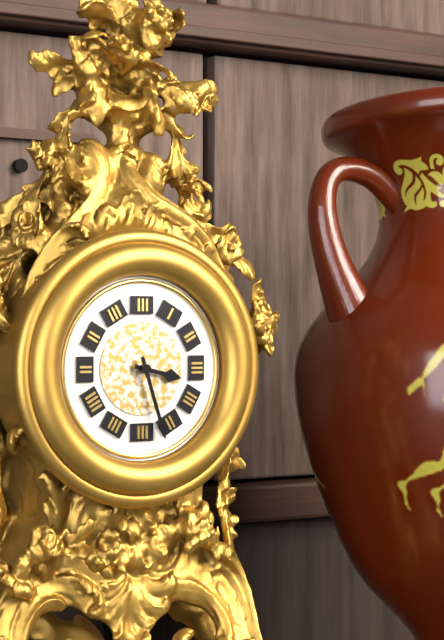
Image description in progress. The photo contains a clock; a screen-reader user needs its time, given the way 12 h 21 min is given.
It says 3 h 27 min
